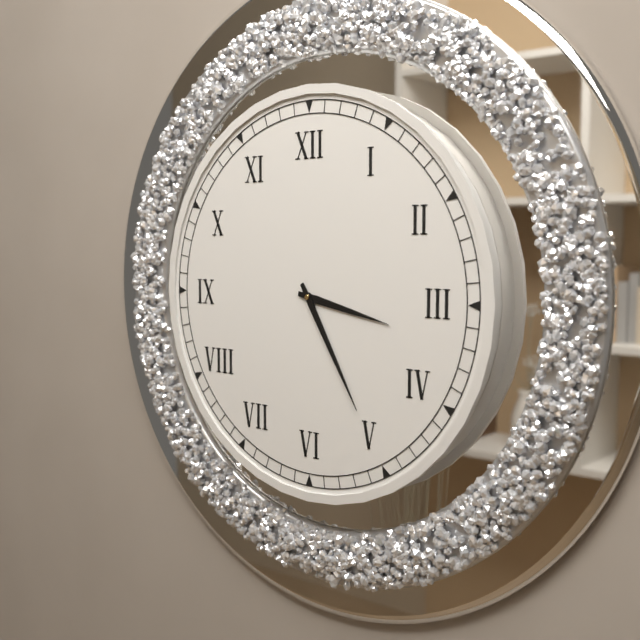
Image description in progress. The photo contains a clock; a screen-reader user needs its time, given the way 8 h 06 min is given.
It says 3 h 25 min
